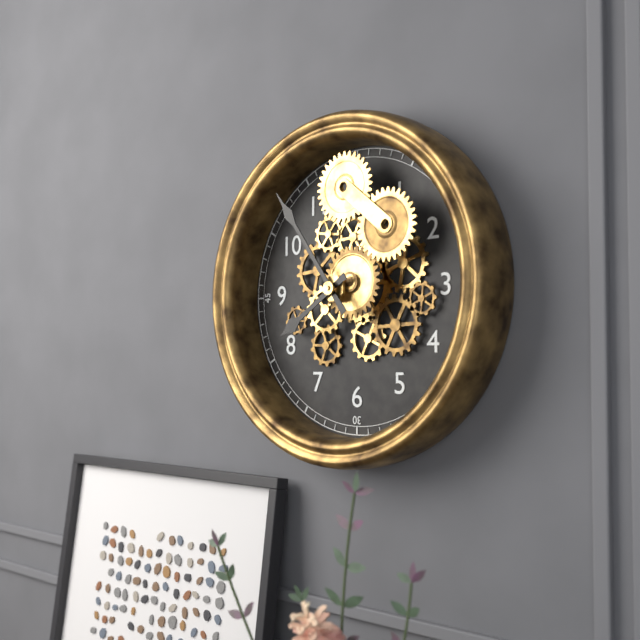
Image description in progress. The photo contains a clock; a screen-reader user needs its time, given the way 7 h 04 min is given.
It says 7 h 54 min
